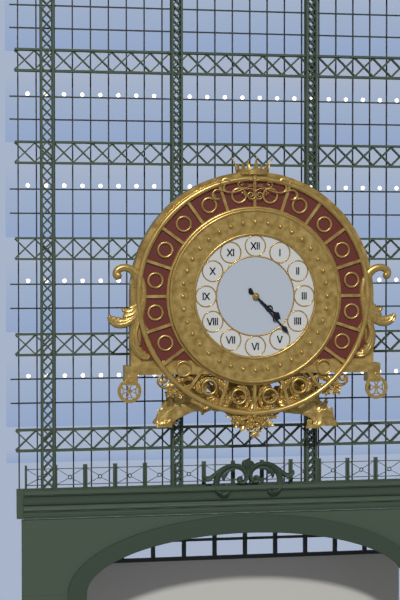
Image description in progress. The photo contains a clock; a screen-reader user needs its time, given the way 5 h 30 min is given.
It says 4 h 23 min
